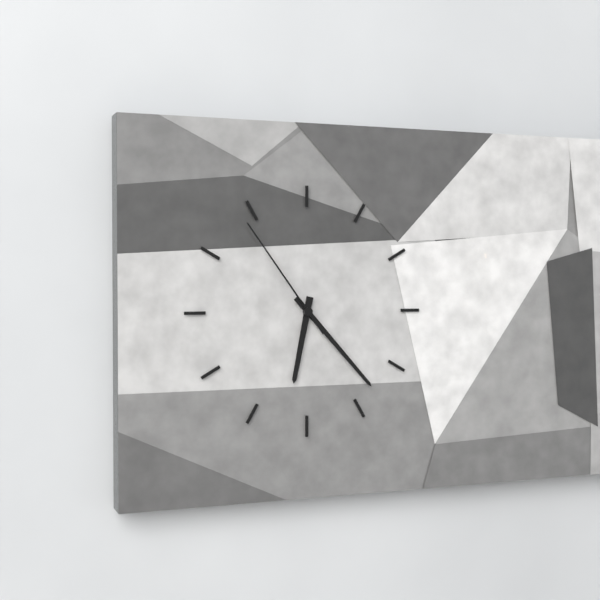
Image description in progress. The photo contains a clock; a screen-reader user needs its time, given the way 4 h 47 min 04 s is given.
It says 6 h 23 min 54 s
